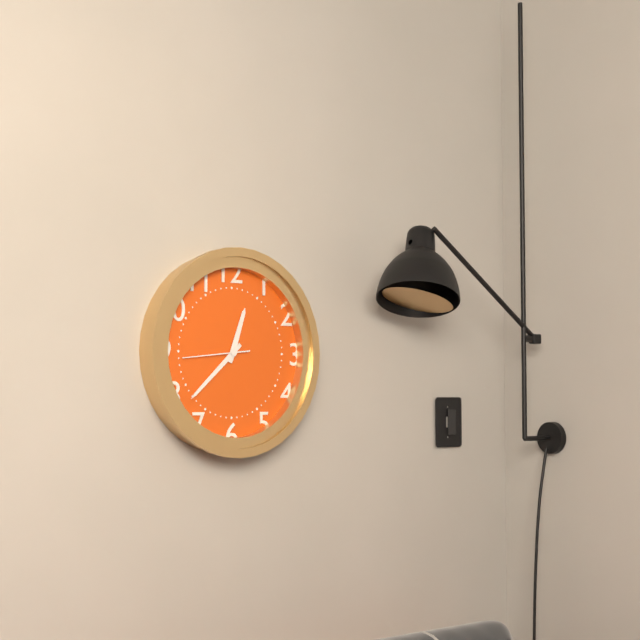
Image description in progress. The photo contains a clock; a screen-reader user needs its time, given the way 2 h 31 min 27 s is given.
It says 12 h 38 min 44 s
